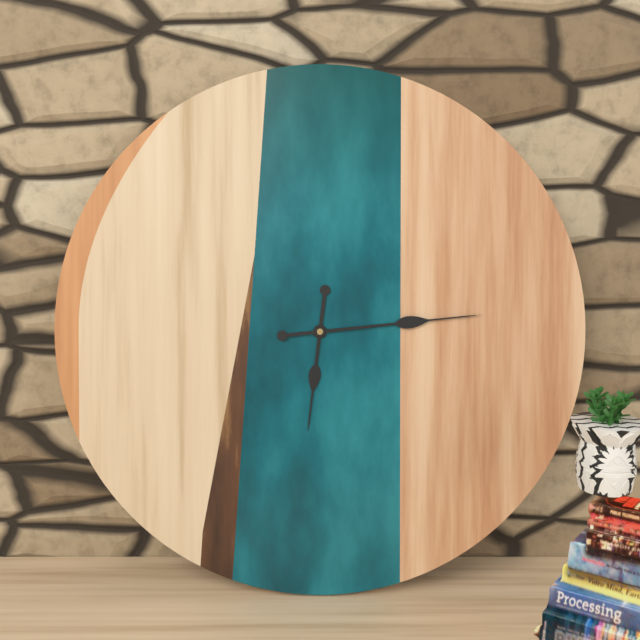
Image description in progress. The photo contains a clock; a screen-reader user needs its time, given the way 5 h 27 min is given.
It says 6 h 14 min
